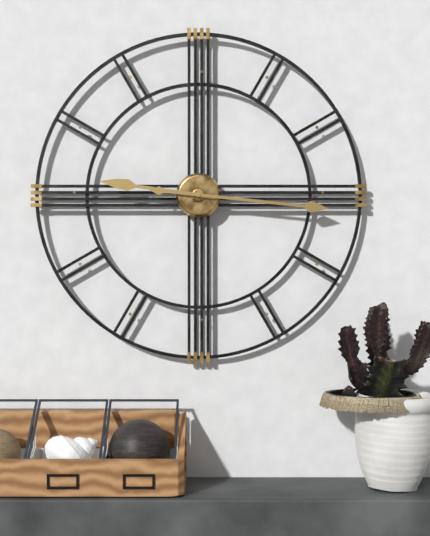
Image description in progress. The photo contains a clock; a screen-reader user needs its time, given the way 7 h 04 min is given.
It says 9 h 16 min
